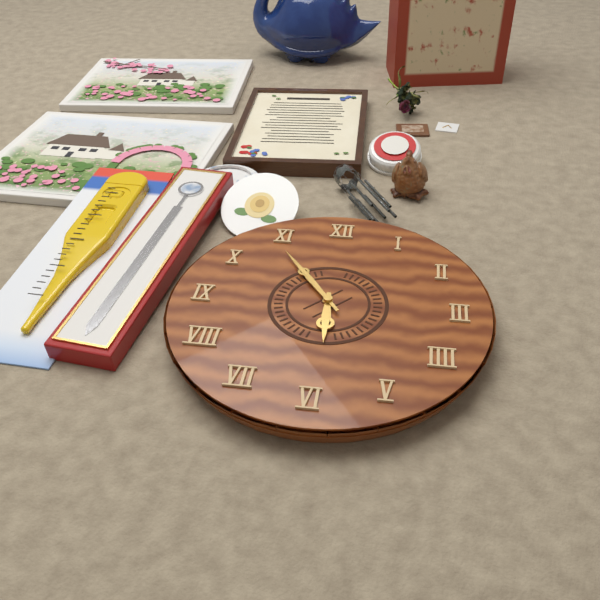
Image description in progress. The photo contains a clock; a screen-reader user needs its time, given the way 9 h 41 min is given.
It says 5 h 54 min
